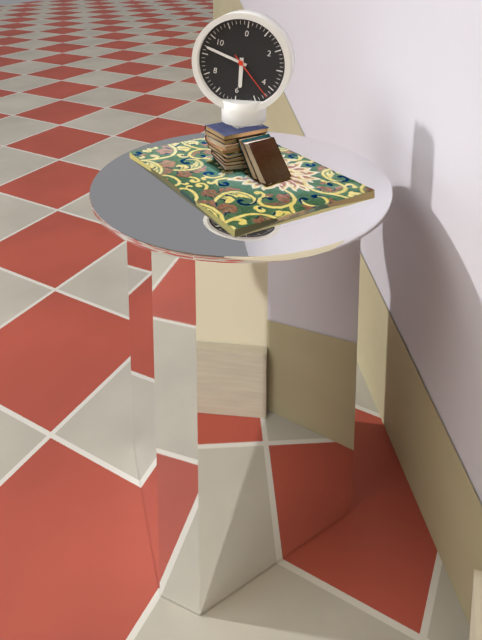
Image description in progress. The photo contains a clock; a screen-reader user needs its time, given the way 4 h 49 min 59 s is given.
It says 5 h 47 min 22 s
